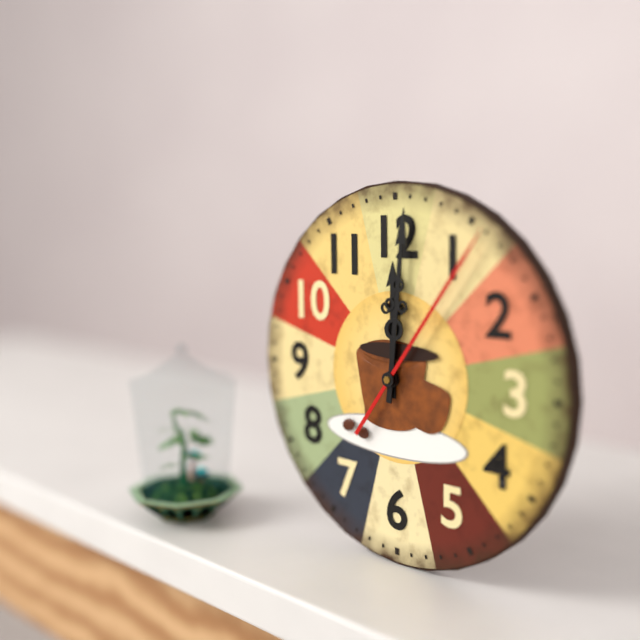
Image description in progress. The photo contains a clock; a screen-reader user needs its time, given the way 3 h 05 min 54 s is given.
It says 12 h 01 min 06 s
